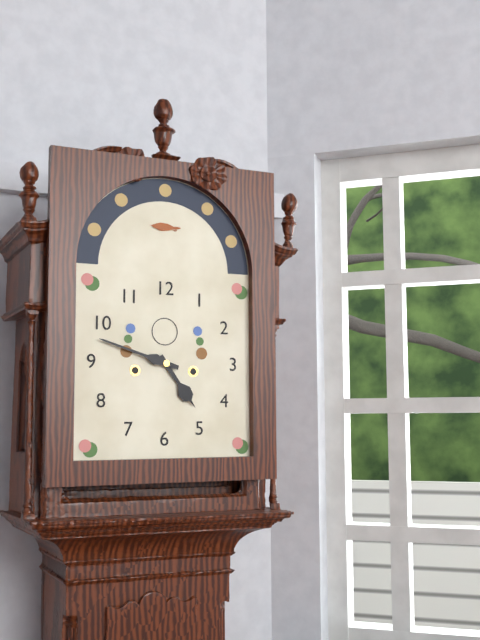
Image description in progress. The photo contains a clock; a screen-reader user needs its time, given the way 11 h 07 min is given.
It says 4 h 48 min
